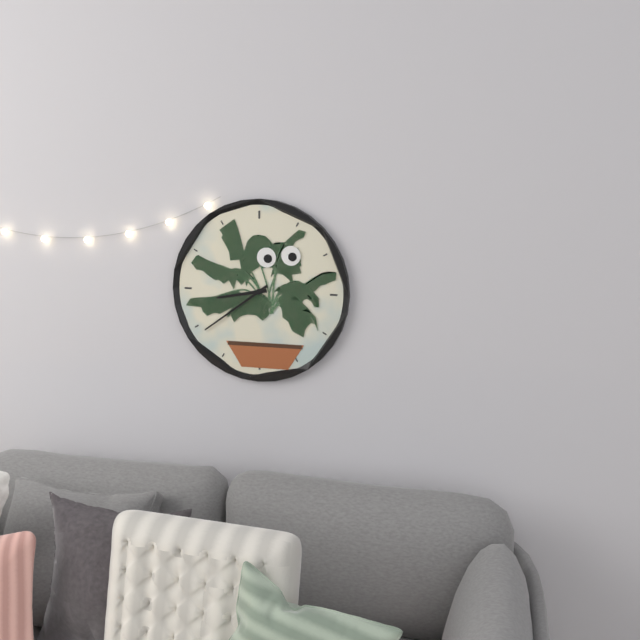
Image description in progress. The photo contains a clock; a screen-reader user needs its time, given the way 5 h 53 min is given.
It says 8 h 39 min
